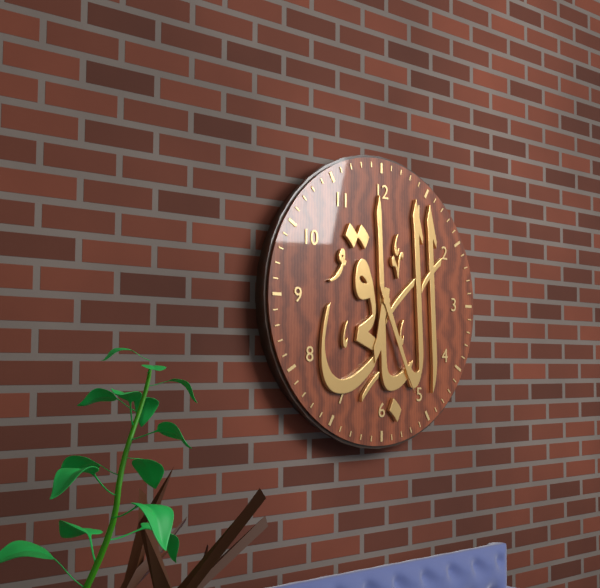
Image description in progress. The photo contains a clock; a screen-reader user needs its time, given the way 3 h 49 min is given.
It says 6 h 26 min
